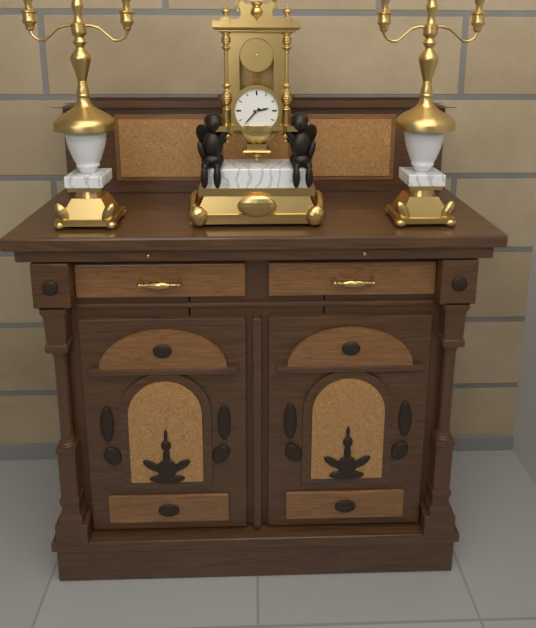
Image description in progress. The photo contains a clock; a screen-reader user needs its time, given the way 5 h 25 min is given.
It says 2 h 37 min
